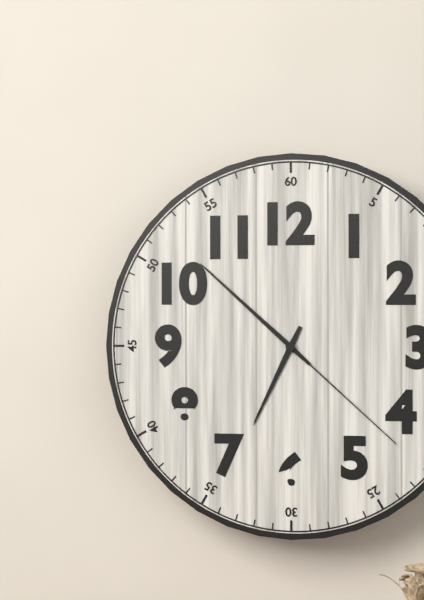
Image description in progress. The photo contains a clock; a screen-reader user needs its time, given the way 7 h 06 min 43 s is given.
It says 6 h 52 min 22 s
